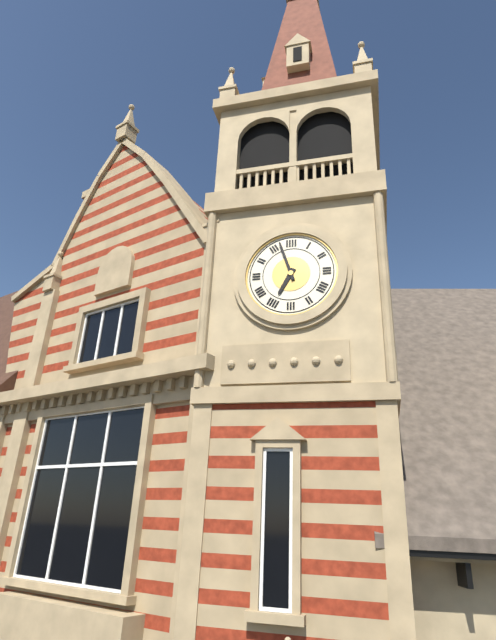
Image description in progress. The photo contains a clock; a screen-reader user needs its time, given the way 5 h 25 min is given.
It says 6 h 57 min
